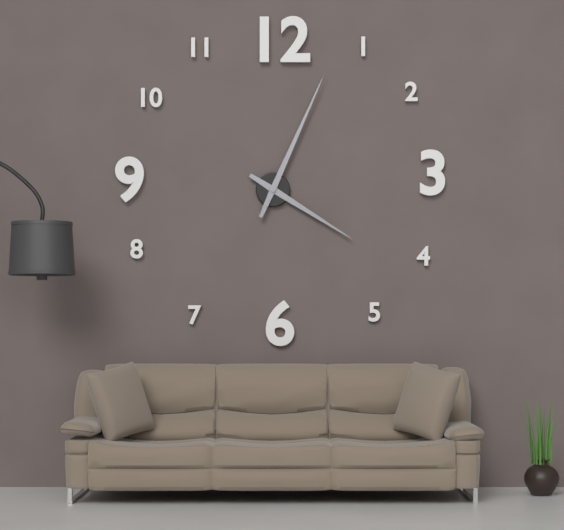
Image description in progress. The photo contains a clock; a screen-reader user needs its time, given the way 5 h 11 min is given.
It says 4 h 04 min
